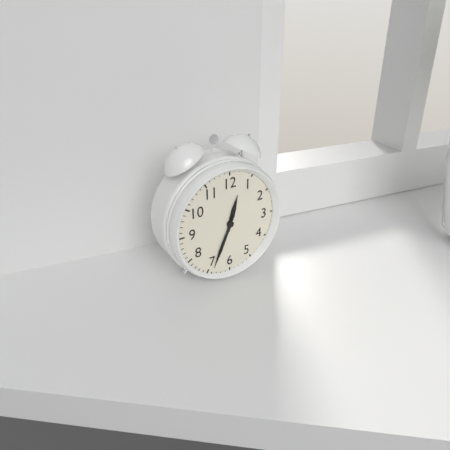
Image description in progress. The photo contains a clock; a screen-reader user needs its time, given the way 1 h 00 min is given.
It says 12 h 34 min
